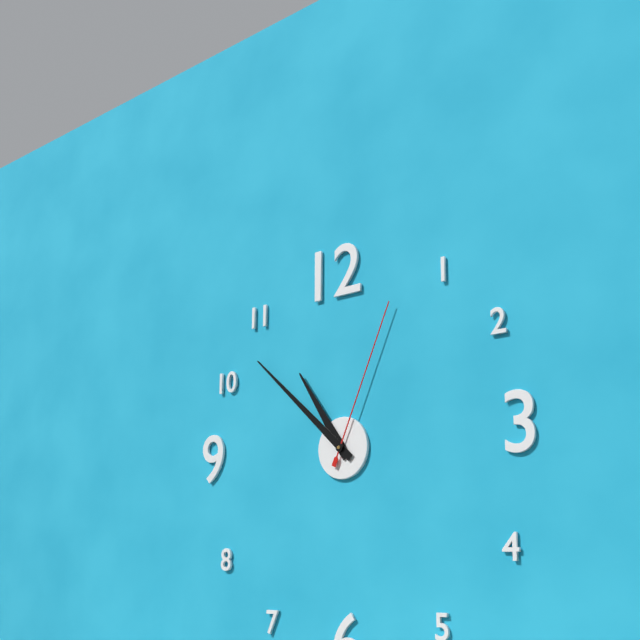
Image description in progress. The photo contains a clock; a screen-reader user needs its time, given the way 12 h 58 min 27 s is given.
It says 10 h 52 min 04 s
